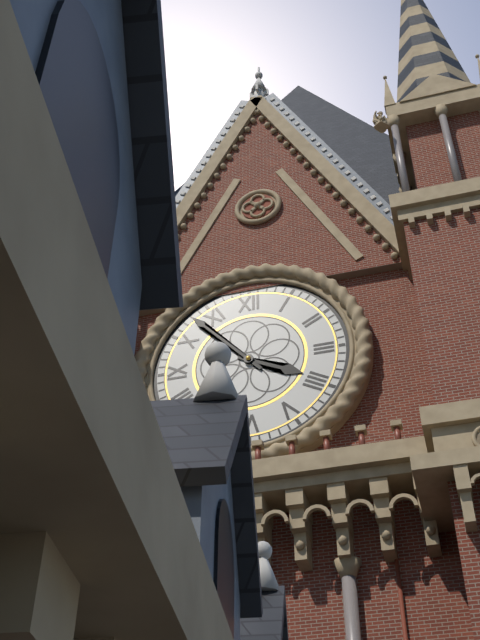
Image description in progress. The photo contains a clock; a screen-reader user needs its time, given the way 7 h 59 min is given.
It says 3 h 53 min
